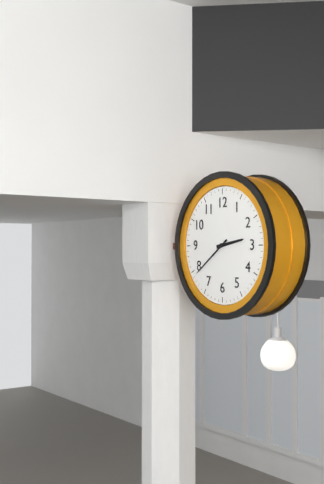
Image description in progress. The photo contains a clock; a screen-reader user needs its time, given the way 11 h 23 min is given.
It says 2 h 39 min
